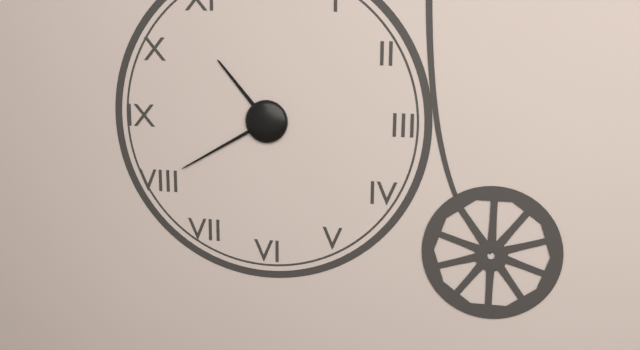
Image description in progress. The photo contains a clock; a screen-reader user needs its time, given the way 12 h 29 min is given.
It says 10 h 40 min
